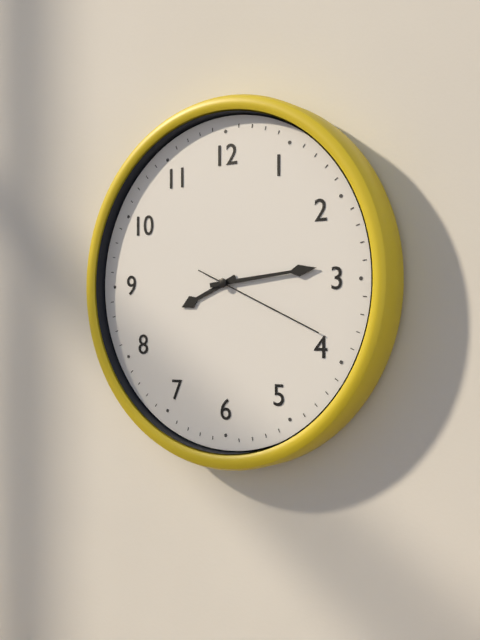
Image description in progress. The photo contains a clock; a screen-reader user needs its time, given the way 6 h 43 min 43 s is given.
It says 8 h 14 min 19 s
